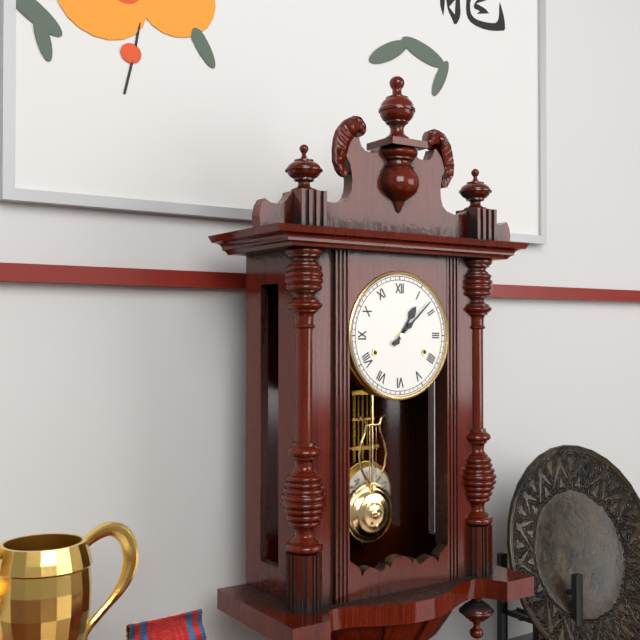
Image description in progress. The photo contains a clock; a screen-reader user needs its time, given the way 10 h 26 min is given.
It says 1 h 08 min
